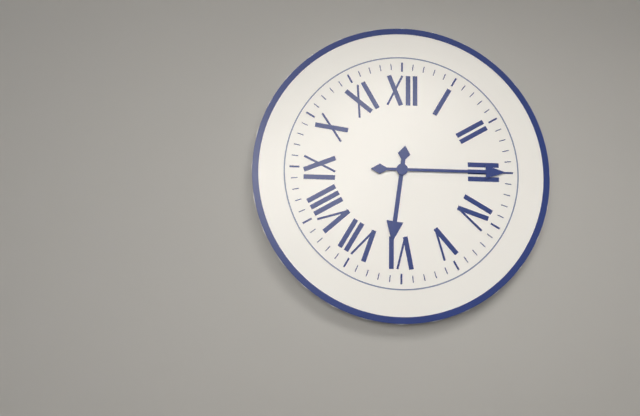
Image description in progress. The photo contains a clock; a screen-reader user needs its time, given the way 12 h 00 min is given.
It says 6 h 15 min
